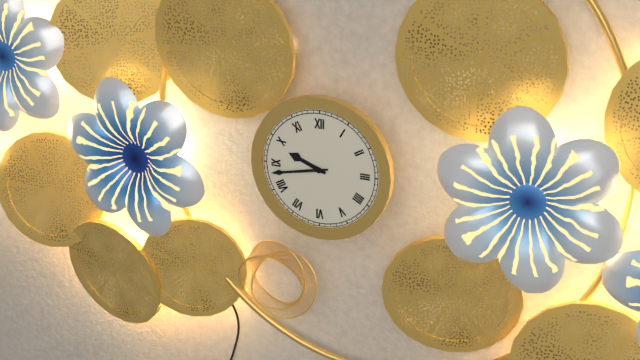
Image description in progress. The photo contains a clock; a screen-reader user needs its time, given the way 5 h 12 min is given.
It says 9 h 43 min
